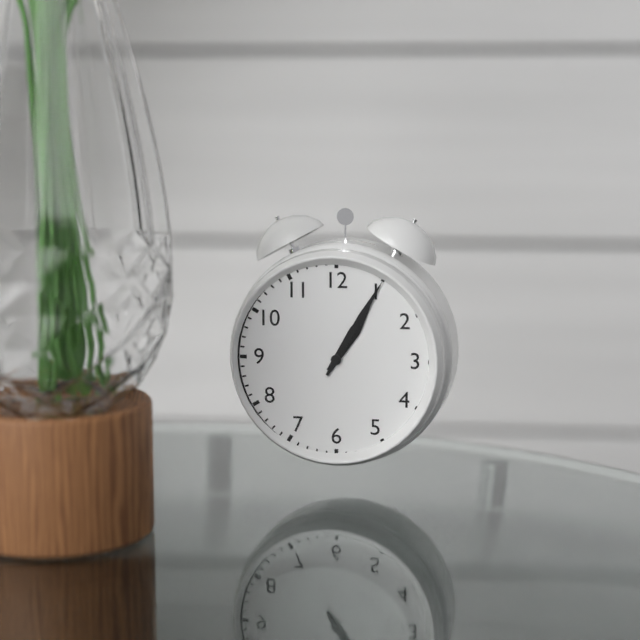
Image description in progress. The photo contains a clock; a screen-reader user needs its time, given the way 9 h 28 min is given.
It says 1 h 05 min
